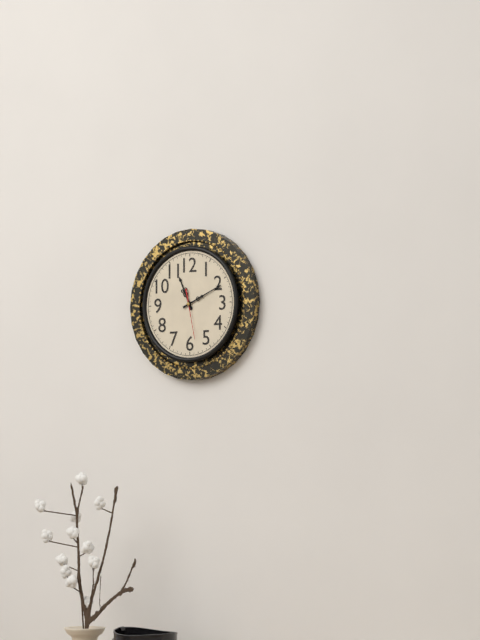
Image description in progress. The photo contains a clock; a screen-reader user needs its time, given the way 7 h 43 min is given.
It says 11 h 11 min
